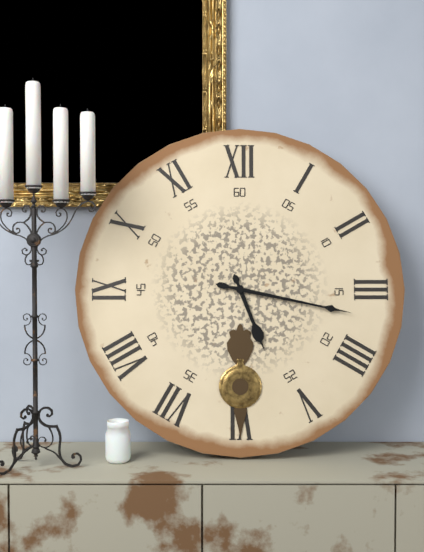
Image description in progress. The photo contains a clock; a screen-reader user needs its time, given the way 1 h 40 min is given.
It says 5 h 17 min
